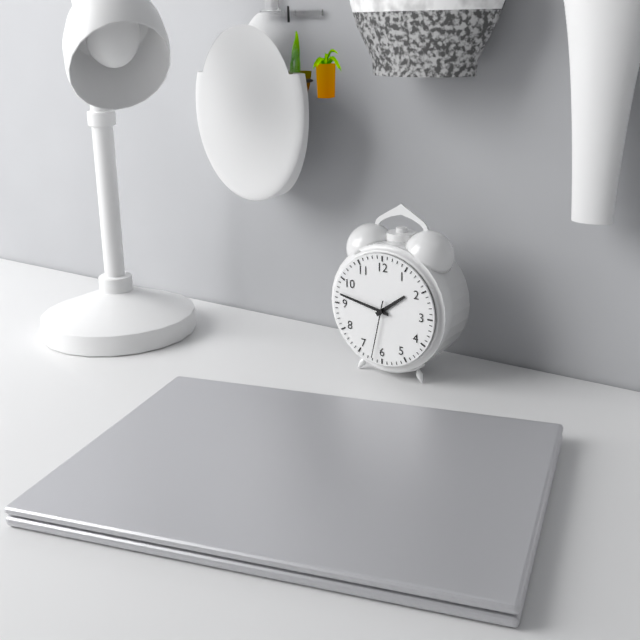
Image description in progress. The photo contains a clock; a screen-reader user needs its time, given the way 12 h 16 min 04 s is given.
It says 1 h 47 min 32 s
